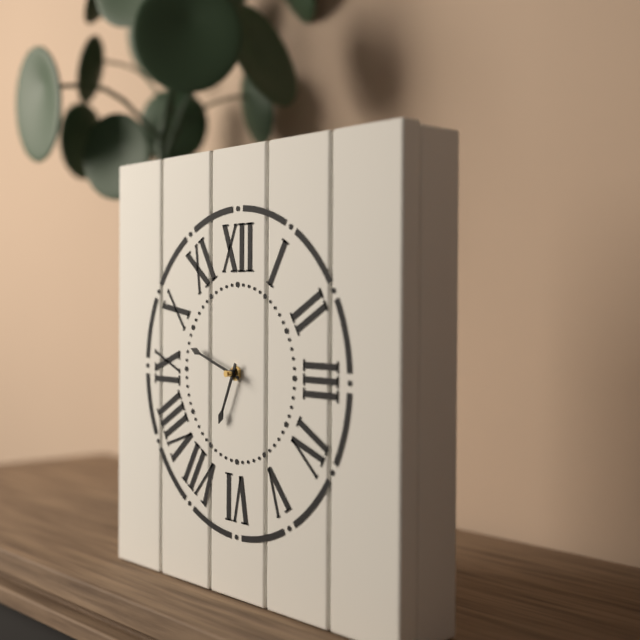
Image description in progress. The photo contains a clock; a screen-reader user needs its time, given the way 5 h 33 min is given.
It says 6 h 48 min
